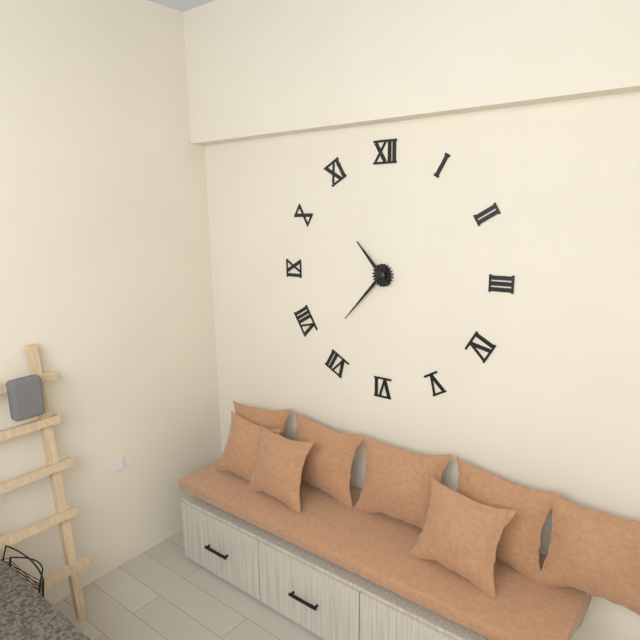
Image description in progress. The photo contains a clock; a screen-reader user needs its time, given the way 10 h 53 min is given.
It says 10 h 37 min
